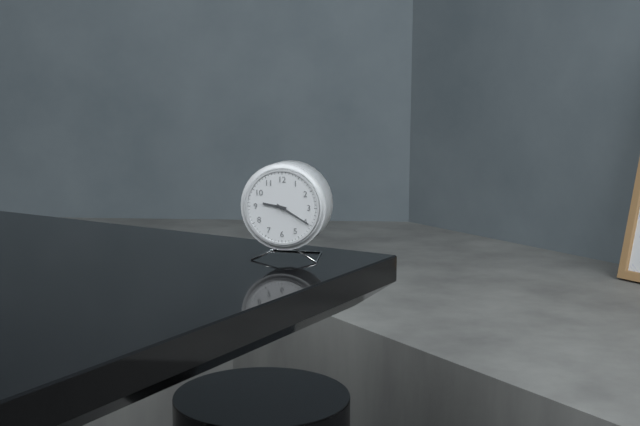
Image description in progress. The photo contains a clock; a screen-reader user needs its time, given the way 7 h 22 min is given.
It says 9 h 20 min
